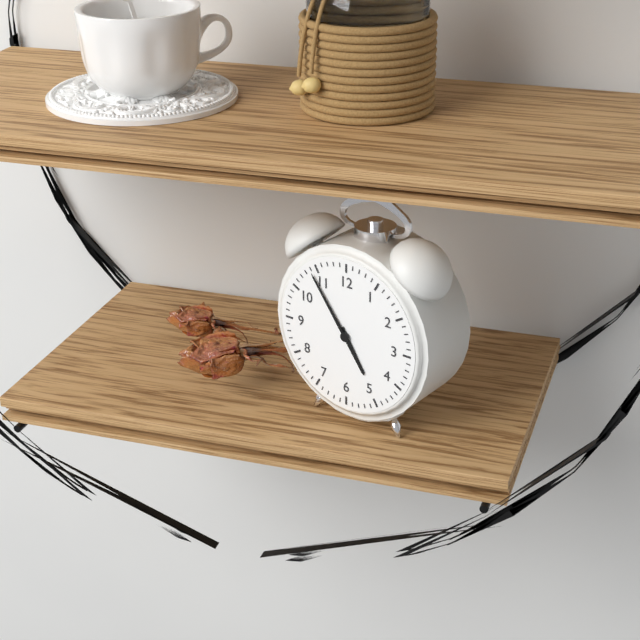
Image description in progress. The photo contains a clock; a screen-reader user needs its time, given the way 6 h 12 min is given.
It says 4 h 54 min
